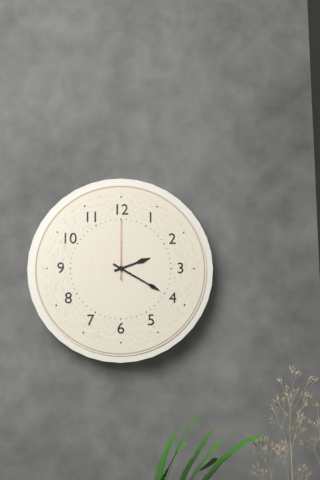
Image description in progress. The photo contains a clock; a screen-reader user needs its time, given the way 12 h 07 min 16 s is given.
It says 2 h 20 min 00 s
